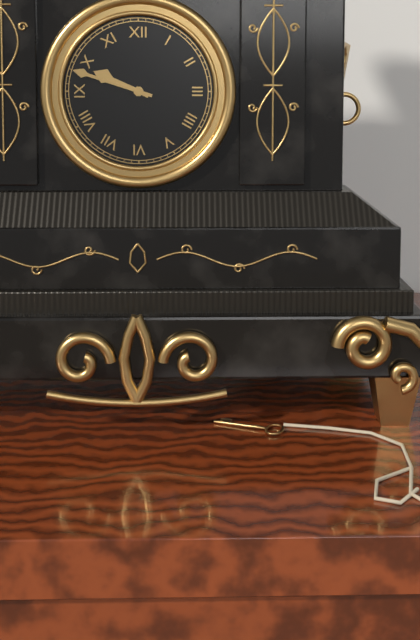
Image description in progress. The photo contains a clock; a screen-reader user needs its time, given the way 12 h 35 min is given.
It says 9 h 48 min
